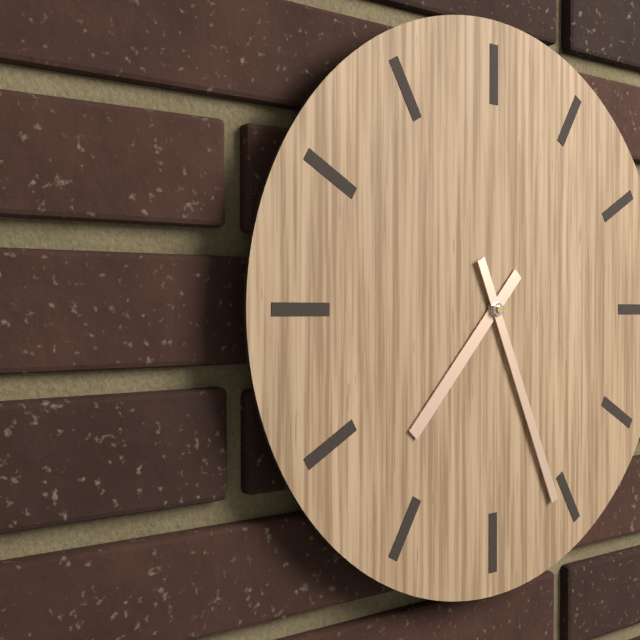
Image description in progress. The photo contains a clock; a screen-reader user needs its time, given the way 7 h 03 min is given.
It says 7 h 26 min
